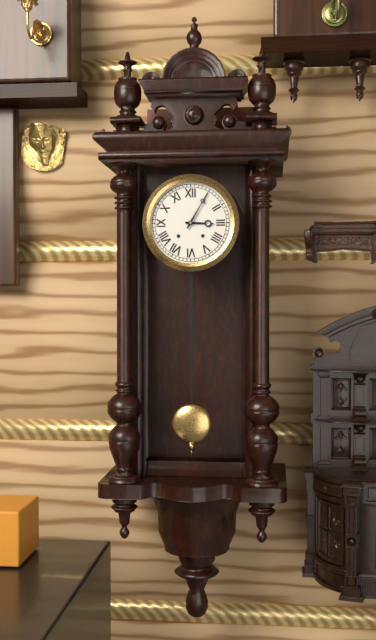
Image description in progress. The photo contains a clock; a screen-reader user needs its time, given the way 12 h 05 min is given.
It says 3 h 05 min
